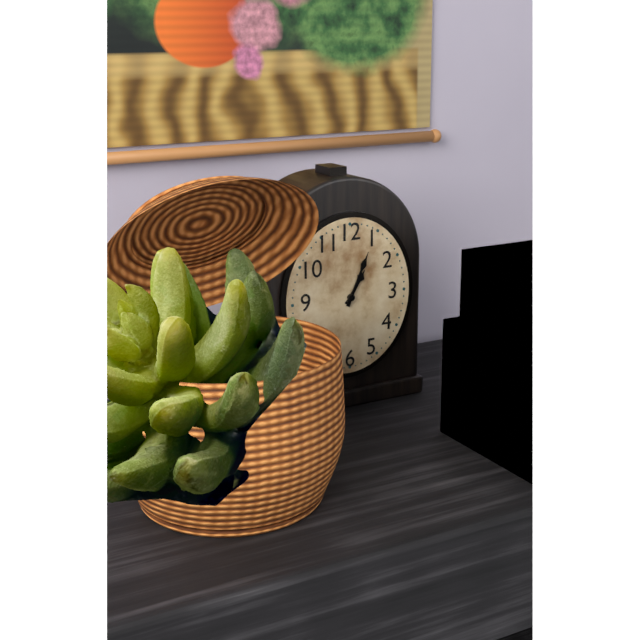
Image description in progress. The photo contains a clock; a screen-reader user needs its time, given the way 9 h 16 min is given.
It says 1 h 04 min
